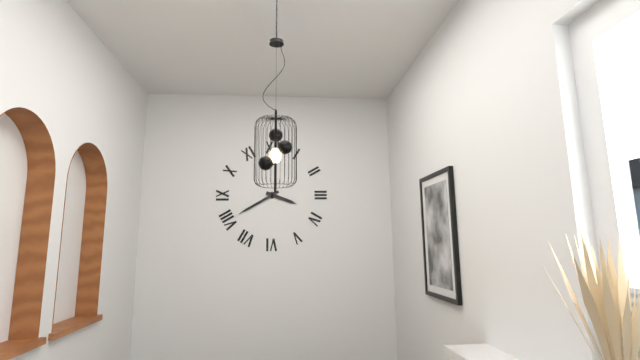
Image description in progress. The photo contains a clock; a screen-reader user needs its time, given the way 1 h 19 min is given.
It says 3 h 40 min
